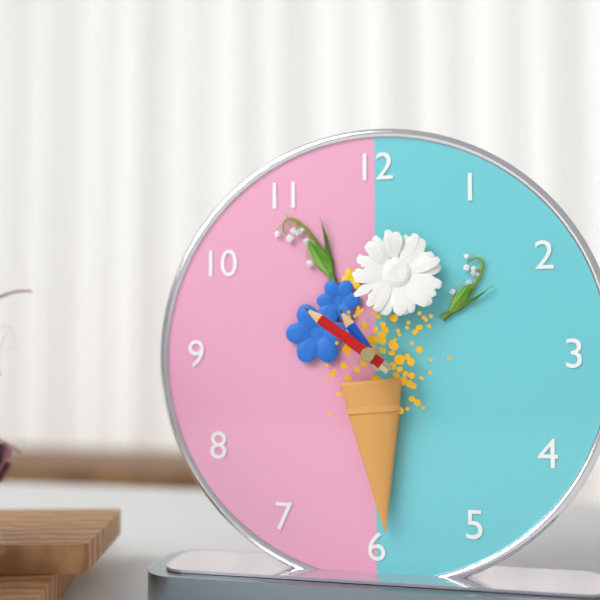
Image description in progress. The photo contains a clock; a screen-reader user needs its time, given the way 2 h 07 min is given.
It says 10 h 51 min
